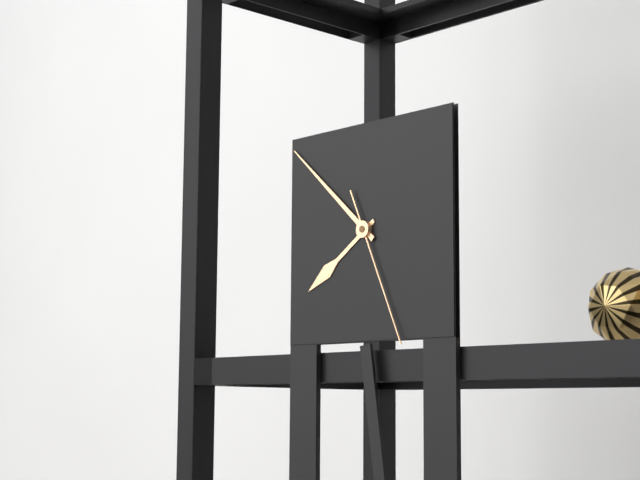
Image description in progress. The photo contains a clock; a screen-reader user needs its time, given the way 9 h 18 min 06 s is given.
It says 7 h 52 min 26 s
